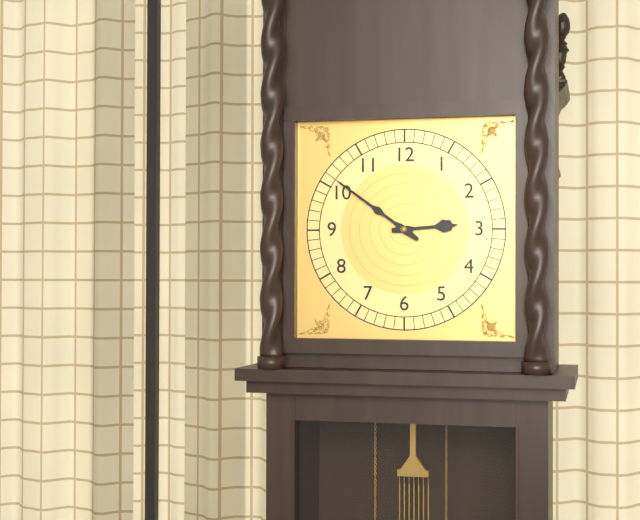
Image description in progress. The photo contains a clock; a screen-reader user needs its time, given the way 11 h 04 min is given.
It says 2 h 51 min
